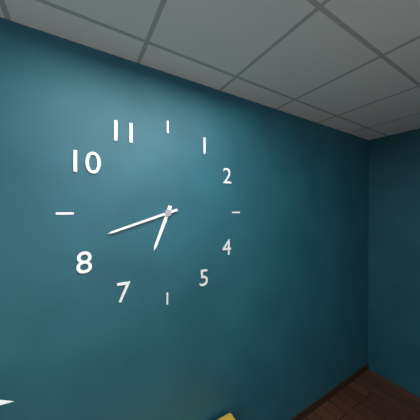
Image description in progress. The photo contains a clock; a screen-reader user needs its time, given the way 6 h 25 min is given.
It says 6 h 42 min
